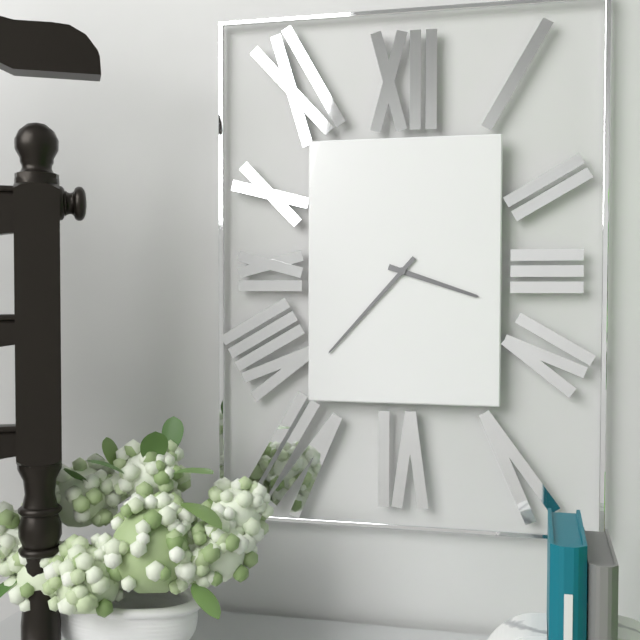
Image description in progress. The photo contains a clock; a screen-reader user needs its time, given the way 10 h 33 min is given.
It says 3 h 37 min
